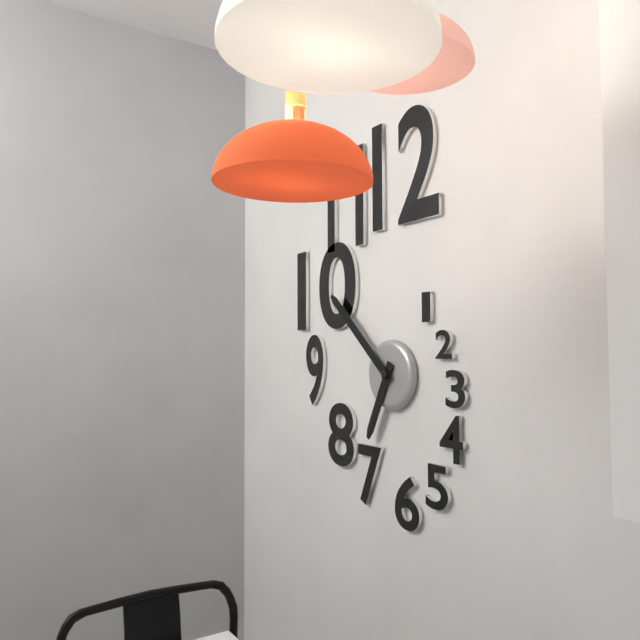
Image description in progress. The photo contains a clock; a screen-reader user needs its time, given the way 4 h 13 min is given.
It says 6 h 52 min
